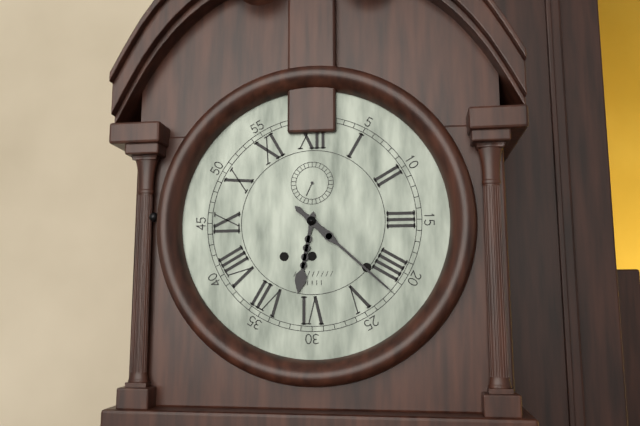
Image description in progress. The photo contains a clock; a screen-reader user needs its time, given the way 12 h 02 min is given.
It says 6 h 22 min
